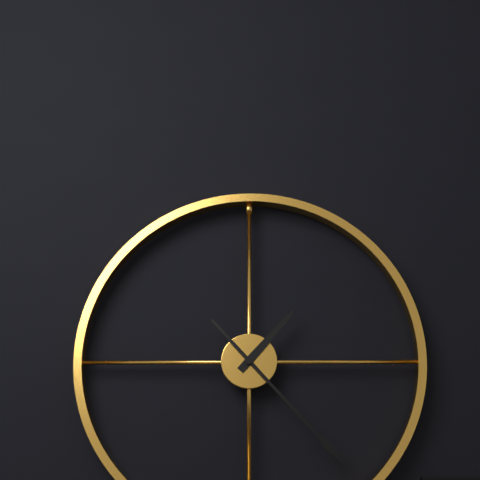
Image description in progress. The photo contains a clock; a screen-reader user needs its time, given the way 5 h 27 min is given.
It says 1 h 23 min
